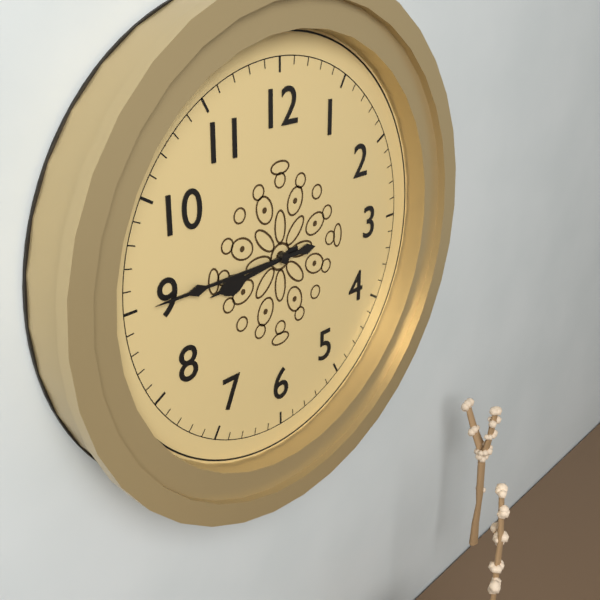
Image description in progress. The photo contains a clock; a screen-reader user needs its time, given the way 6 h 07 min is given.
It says 8 h 45 min
